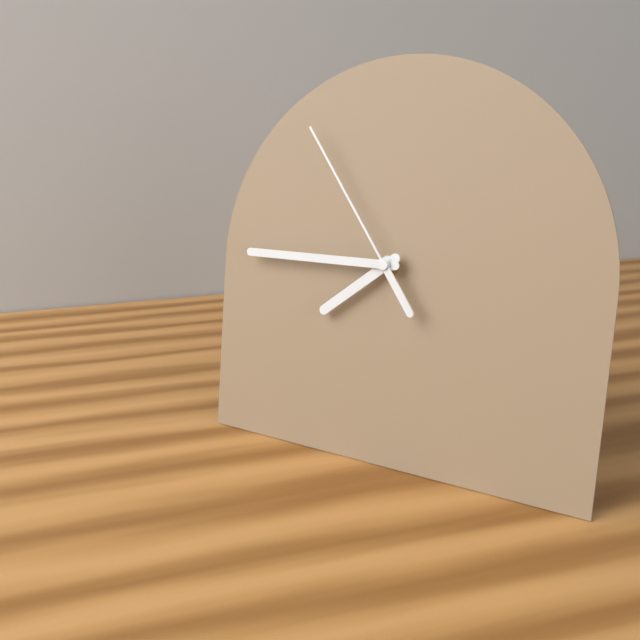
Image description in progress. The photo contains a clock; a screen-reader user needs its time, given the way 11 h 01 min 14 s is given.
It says 7 h 45 min 54 s
